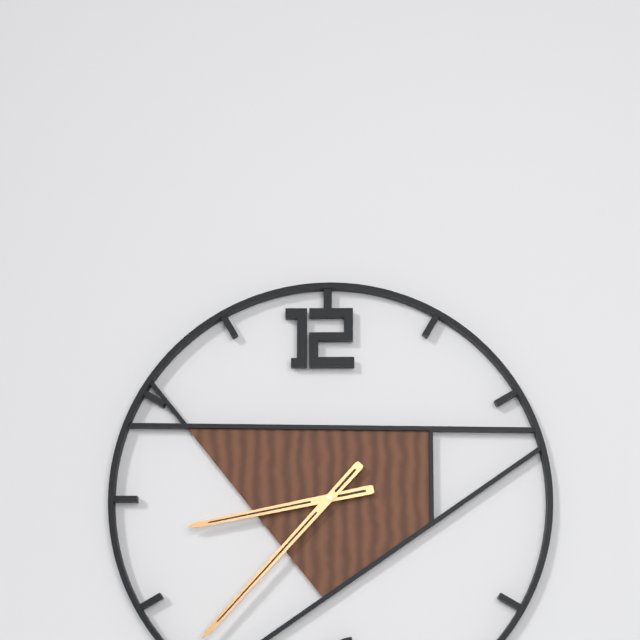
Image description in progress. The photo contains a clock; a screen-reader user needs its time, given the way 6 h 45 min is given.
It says 8 h 37 min
